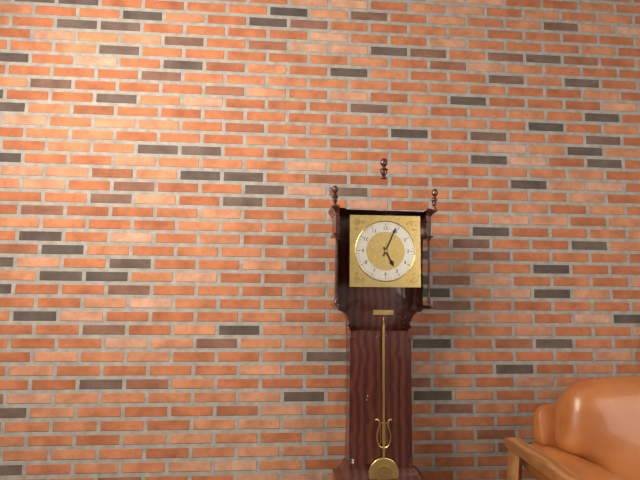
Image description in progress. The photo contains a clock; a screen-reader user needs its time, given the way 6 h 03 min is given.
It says 5 h 04 min
